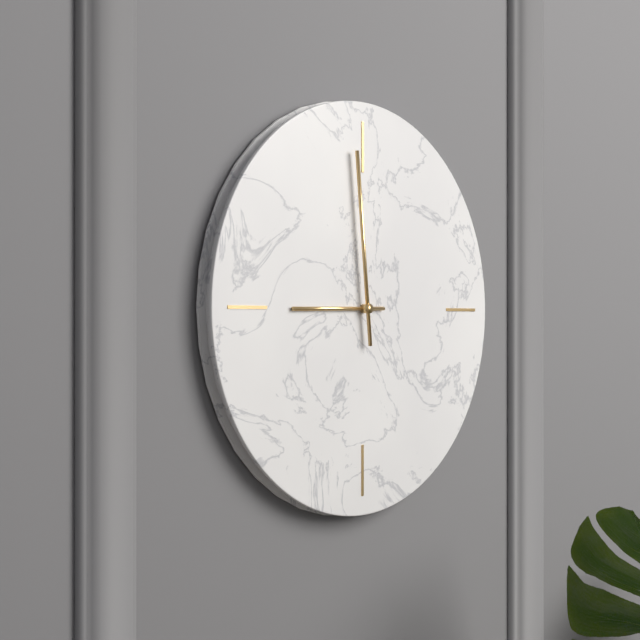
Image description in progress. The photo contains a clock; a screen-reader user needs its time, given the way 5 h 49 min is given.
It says 8 h 59 min
